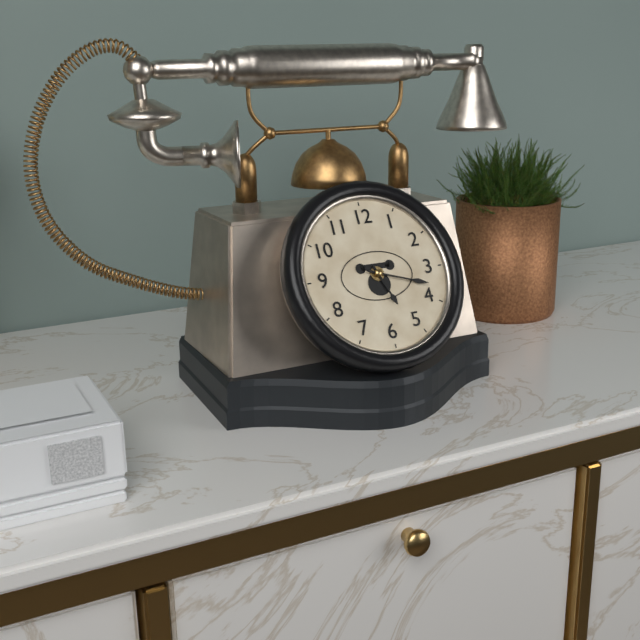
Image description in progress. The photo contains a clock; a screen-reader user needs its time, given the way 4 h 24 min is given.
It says 5 h 18 min
